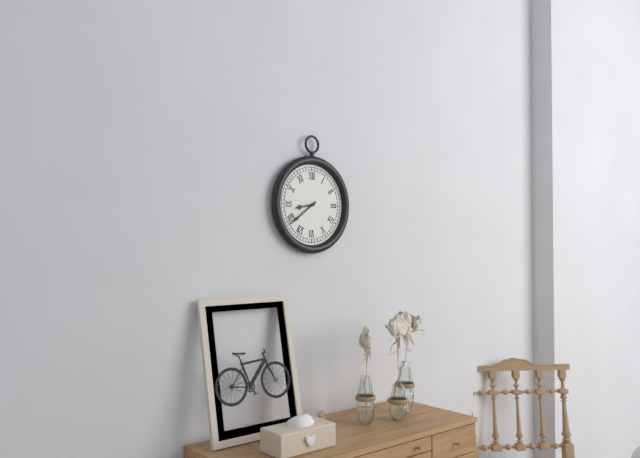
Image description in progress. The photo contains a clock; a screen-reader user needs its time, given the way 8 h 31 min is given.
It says 8 h 39 min
